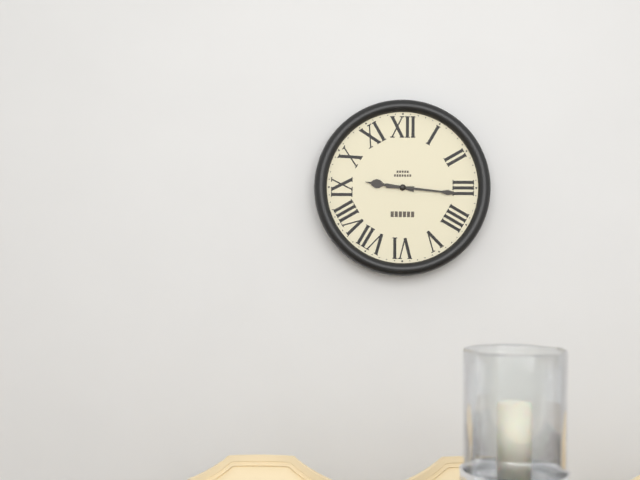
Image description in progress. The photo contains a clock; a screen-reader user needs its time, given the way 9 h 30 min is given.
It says 9 h 16 min
